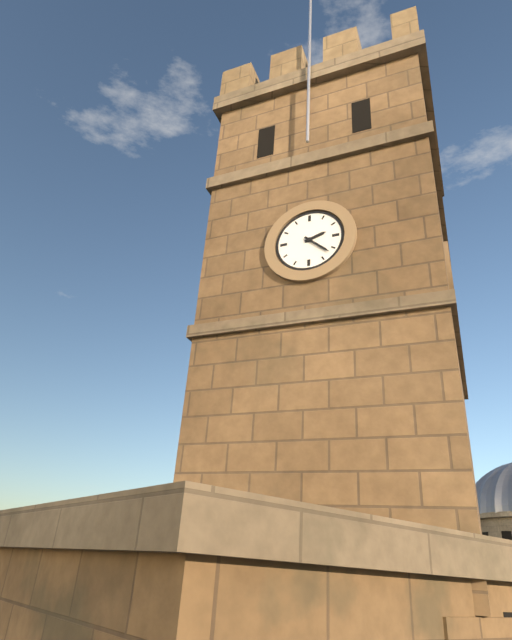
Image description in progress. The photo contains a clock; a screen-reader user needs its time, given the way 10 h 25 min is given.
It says 2 h 22 min
